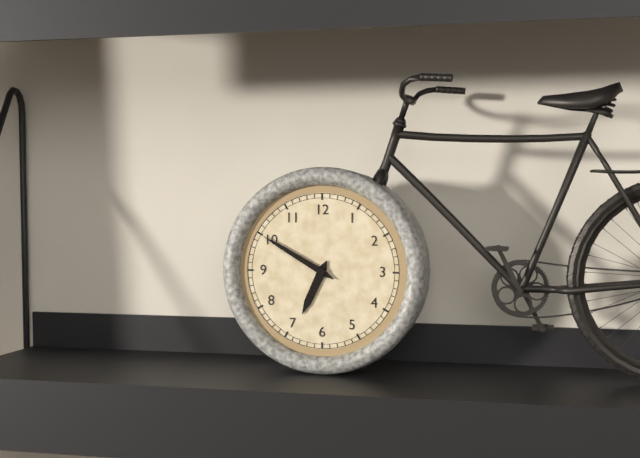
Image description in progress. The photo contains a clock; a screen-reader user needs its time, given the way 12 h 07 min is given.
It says 6 h 50 min
